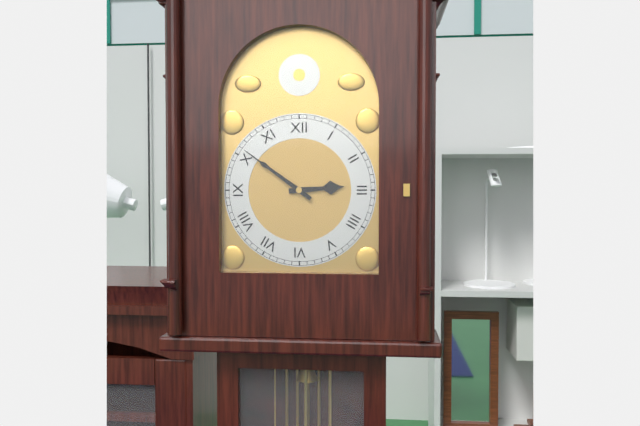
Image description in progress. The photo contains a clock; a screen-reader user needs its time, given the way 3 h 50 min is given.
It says 2 h 51 min
